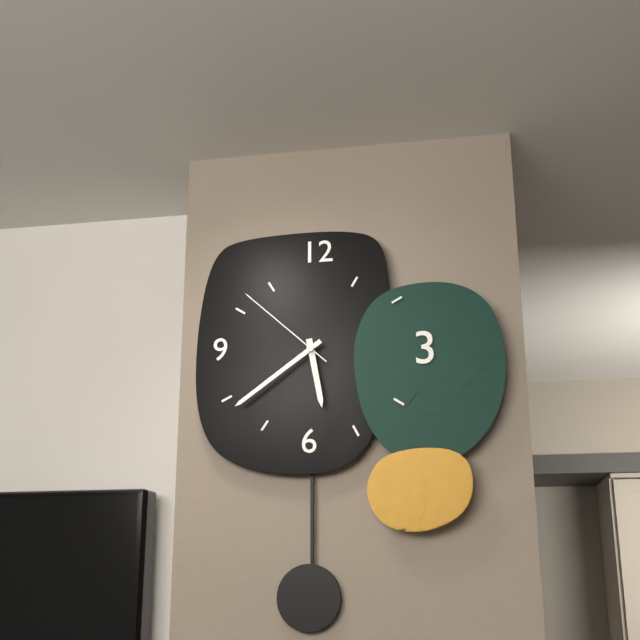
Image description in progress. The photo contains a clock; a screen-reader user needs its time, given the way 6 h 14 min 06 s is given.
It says 5 h 39 min 52 s
